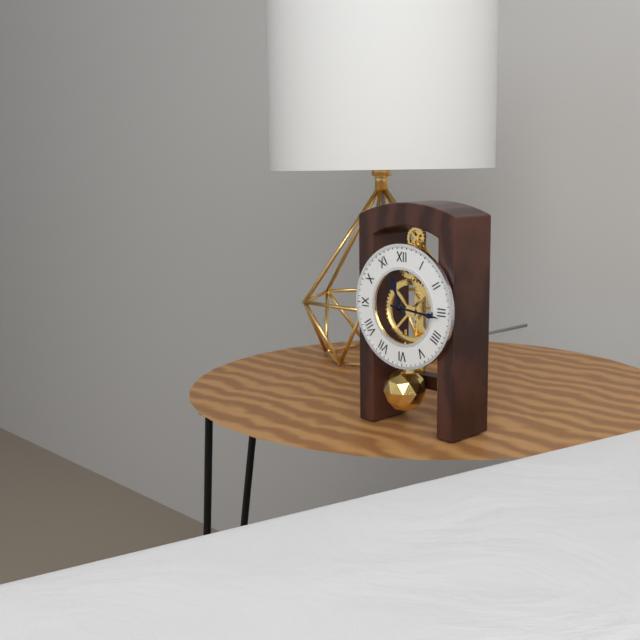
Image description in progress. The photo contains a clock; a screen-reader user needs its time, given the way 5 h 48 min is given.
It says 11 h 16 min
